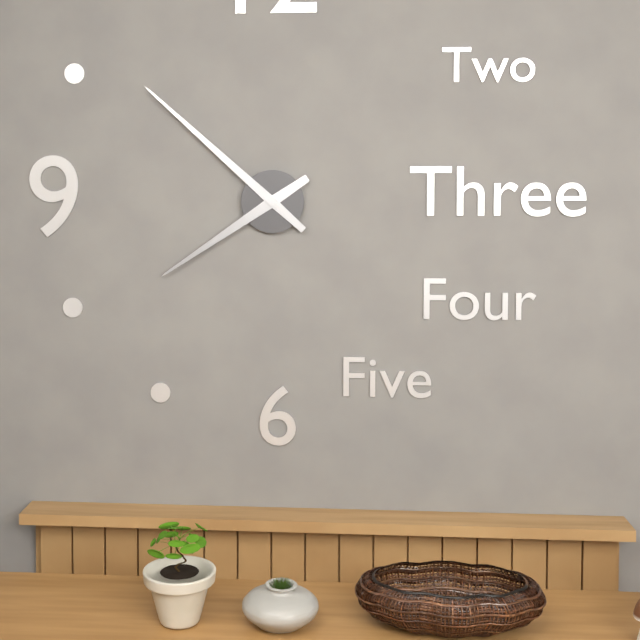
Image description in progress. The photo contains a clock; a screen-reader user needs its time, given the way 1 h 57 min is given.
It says 7 h 52 min
